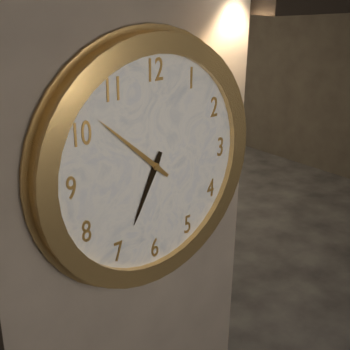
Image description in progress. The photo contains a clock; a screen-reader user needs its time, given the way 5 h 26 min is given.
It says 6 h 52 min
